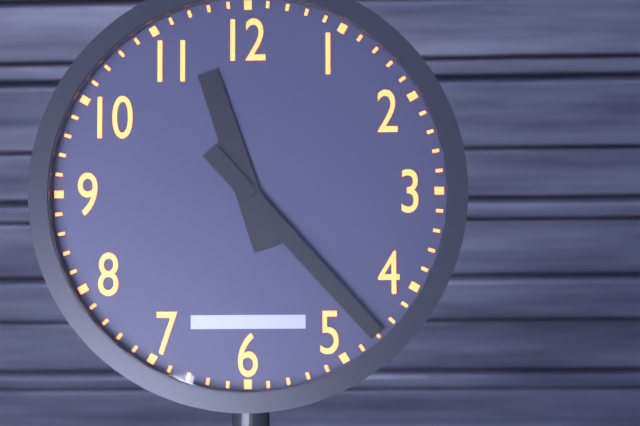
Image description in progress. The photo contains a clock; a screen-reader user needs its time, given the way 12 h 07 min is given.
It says 11 h 23 min
